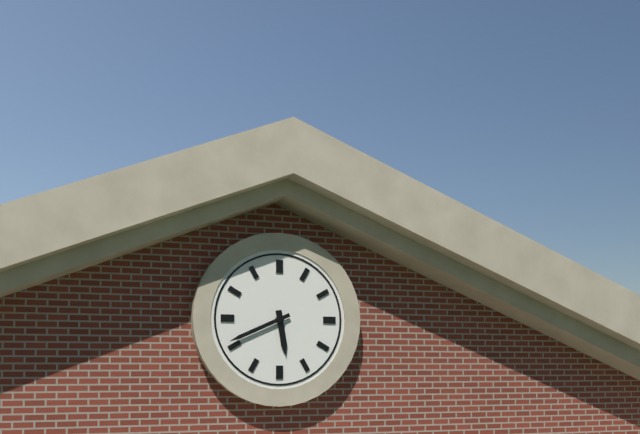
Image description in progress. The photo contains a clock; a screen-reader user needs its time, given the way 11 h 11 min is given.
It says 5 h 41 min
